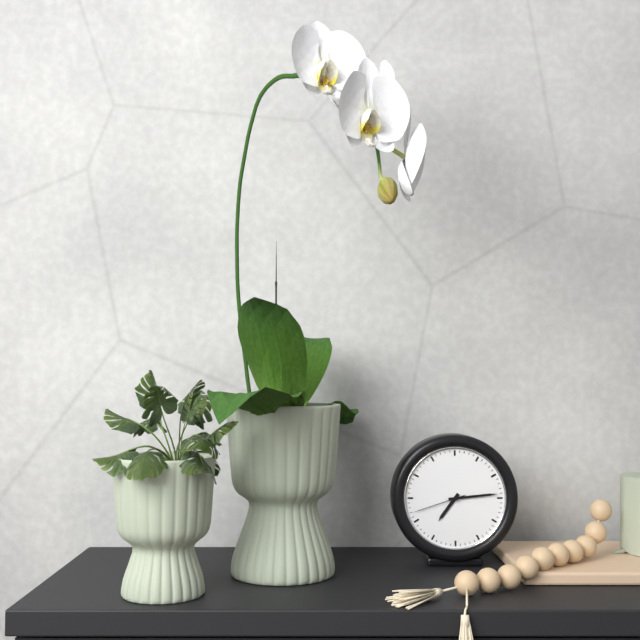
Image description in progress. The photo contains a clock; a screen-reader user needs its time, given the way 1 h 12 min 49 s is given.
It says 7 h 14 min 42 s
